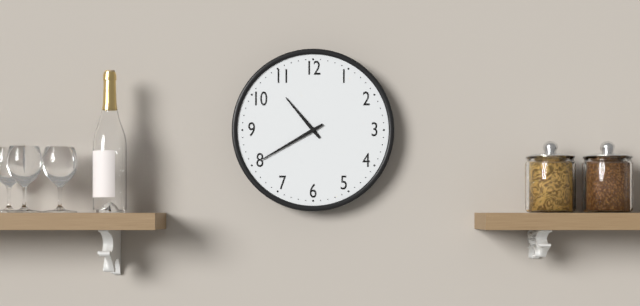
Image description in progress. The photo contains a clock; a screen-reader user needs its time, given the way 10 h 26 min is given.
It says 10 h 40 min
